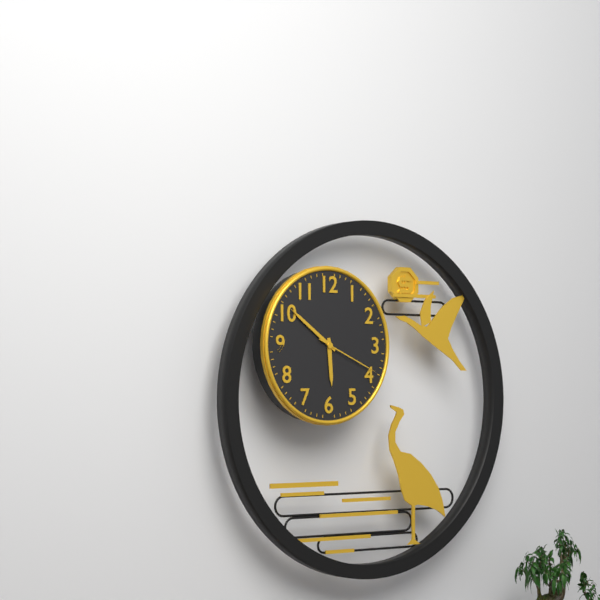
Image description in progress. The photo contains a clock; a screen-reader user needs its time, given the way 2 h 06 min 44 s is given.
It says 5 h 51 min 19 s
